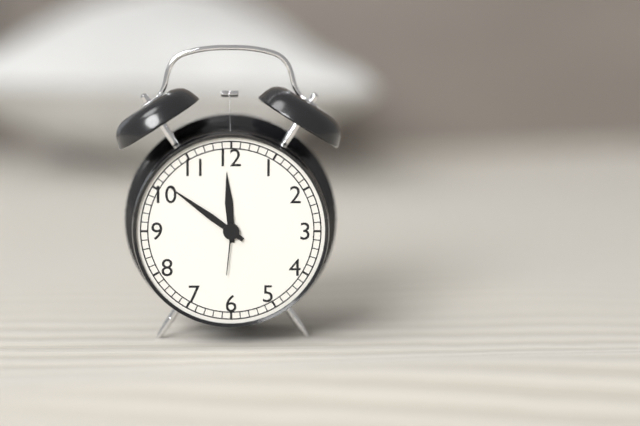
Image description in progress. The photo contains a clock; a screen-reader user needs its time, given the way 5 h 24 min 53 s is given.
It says 11 h 51 min 31 s
